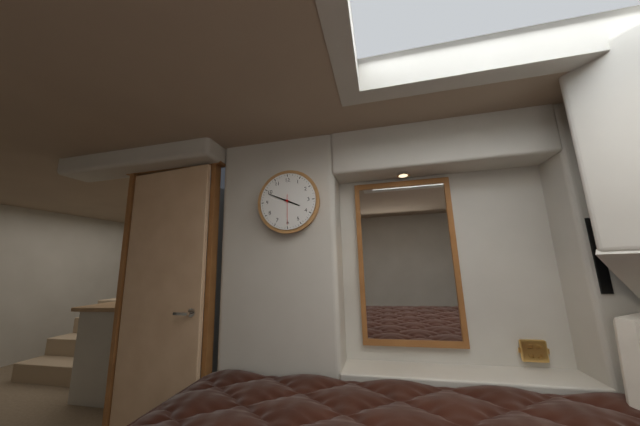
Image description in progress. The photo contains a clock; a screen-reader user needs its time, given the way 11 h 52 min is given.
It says 3 h 49 min
